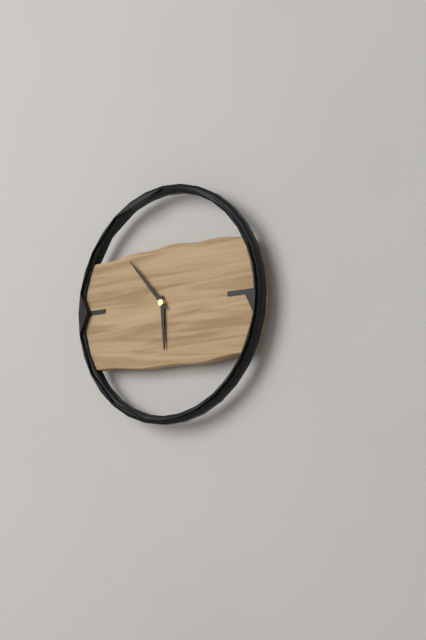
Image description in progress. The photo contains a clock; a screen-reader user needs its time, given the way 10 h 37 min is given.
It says 5 h 53 min
